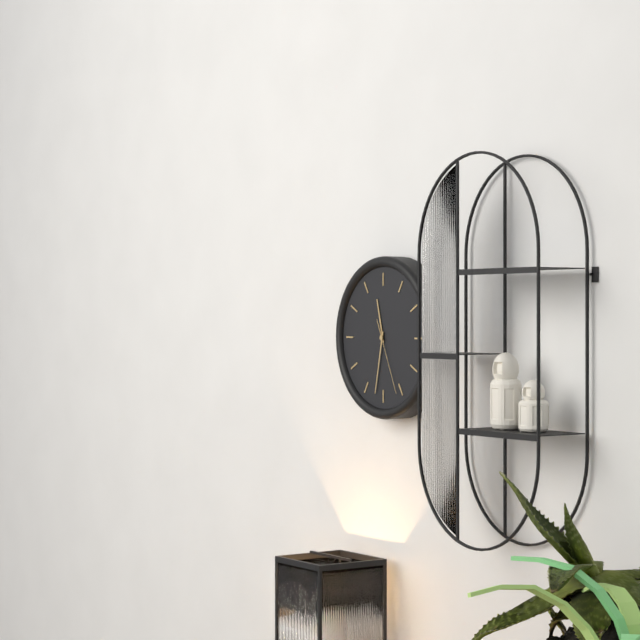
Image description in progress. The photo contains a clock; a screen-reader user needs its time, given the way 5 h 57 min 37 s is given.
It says 11 h 32 min 26 s
